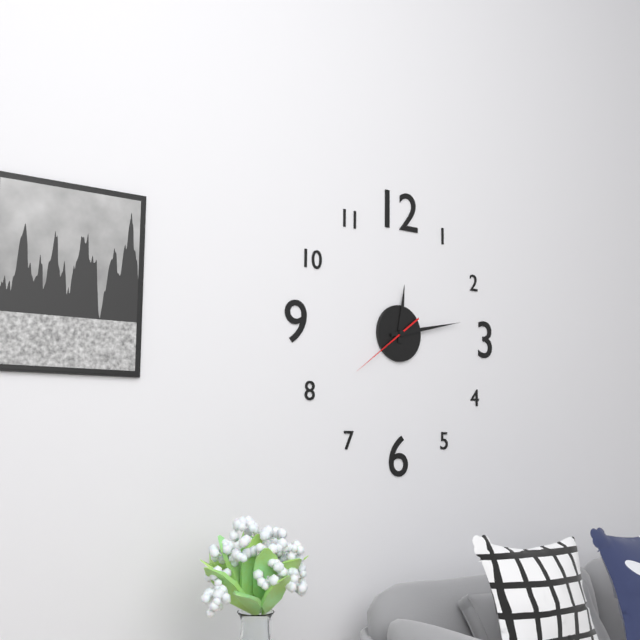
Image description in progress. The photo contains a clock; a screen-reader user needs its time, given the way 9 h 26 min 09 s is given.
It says 12 h 13 min 39 s
